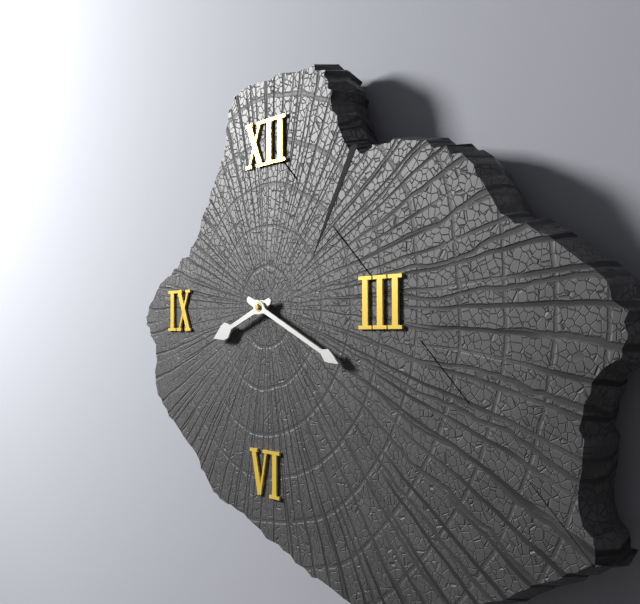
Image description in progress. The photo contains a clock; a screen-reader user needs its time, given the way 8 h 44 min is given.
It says 8 h 19 min
